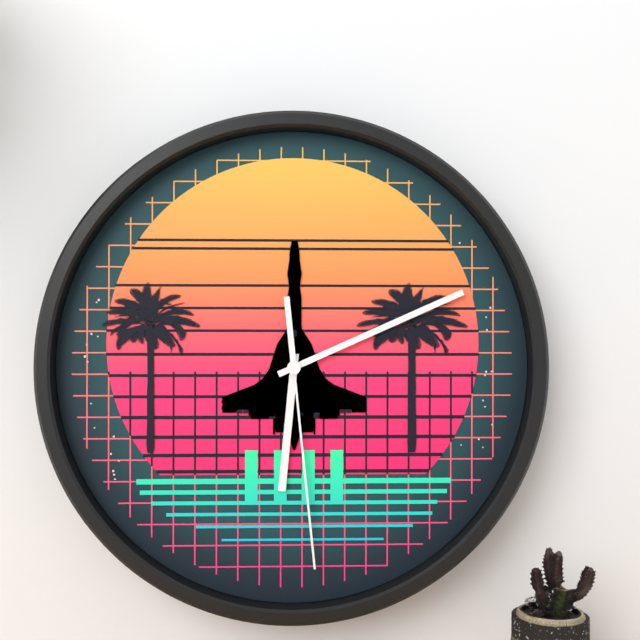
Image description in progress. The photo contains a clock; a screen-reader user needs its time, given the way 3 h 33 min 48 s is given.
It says 6 h 11 min 29 s
